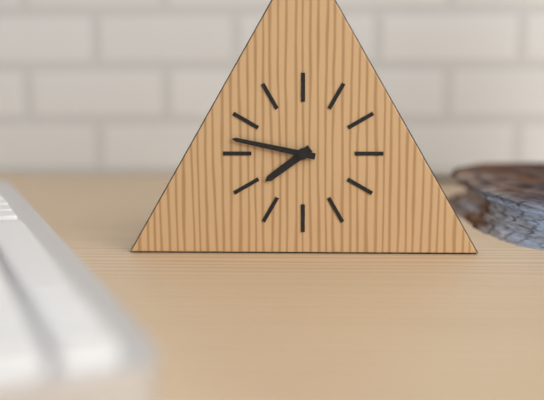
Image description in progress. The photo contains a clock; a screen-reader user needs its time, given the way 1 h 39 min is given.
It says 7 h 47 min
